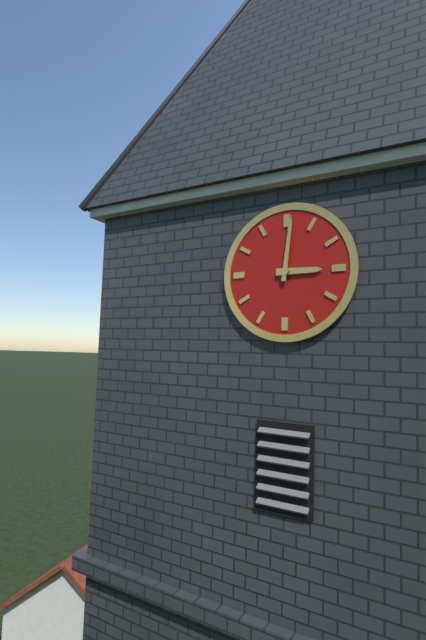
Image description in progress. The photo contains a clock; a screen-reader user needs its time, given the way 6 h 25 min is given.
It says 3 h 01 min
